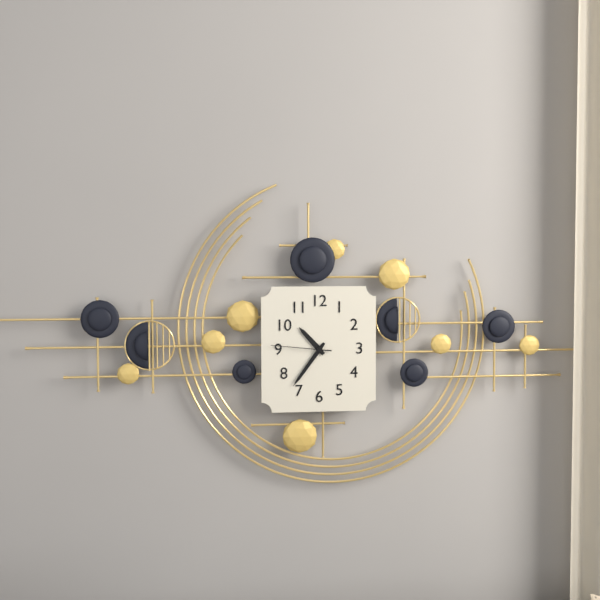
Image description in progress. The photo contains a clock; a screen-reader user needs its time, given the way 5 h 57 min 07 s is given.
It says 10 h 36 min 46 s
